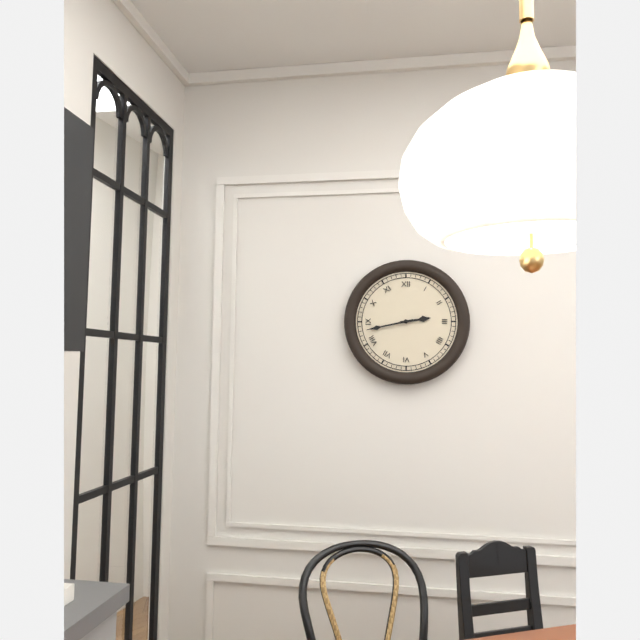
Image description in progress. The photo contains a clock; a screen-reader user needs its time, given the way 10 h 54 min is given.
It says 2 h 43 min
